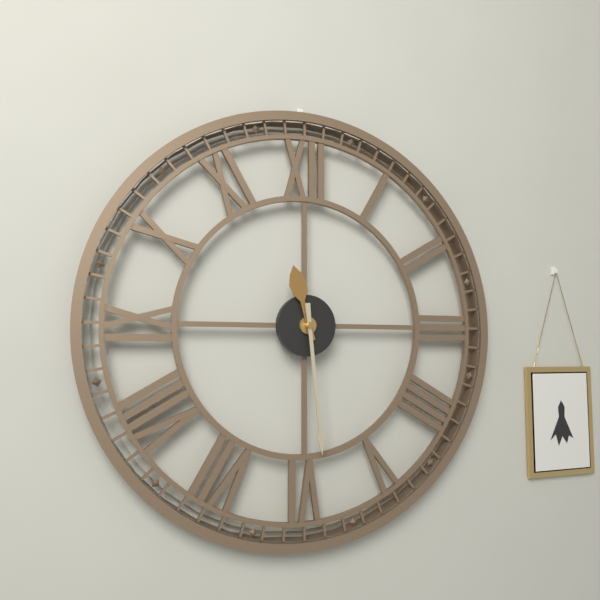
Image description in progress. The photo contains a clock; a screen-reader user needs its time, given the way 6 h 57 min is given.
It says 11 h 29 min
